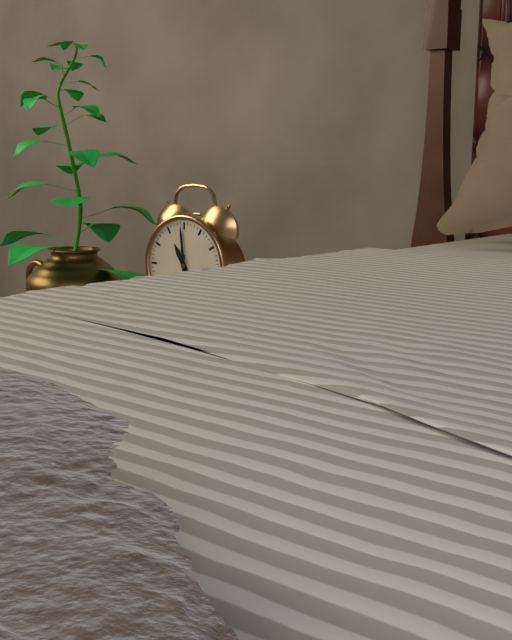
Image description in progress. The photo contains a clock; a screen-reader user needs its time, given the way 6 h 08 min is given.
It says 10 h 59 min
